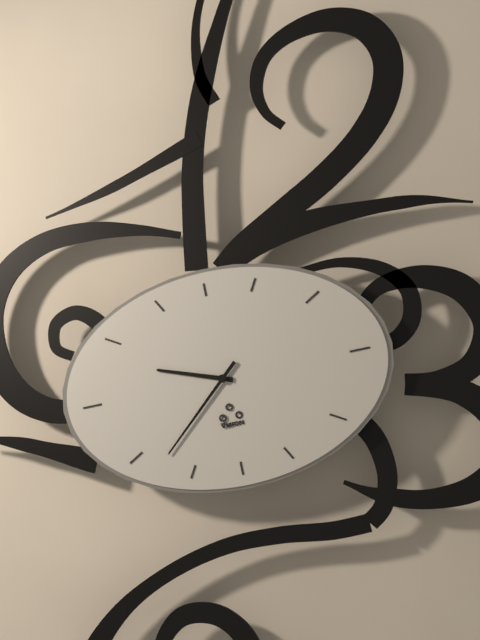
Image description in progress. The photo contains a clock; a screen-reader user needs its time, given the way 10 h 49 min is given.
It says 9 h 38 min
